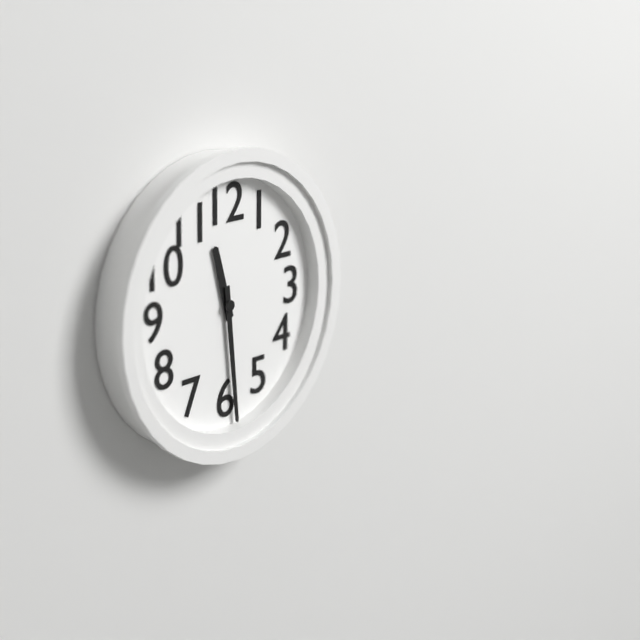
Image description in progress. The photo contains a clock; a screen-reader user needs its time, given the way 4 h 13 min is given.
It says 11 h 29 min
